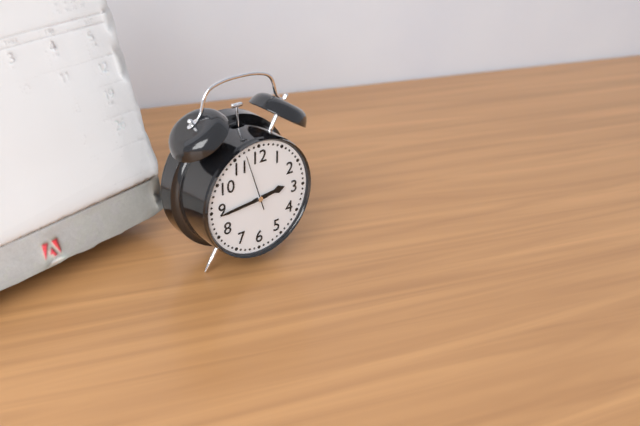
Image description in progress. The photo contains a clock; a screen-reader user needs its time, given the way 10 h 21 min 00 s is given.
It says 2 h 44 min 57 s
